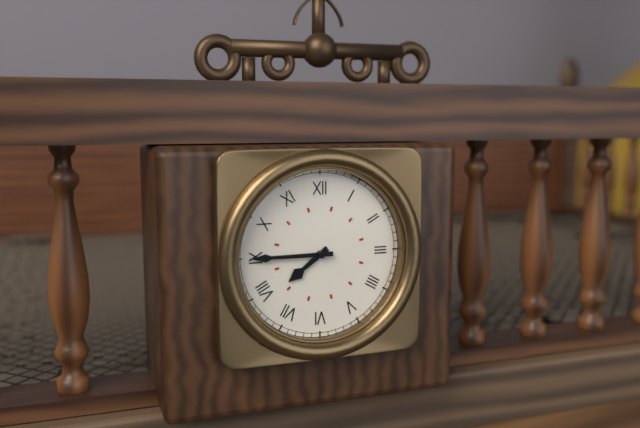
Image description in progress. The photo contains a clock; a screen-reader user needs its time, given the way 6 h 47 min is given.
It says 7 h 45 min
